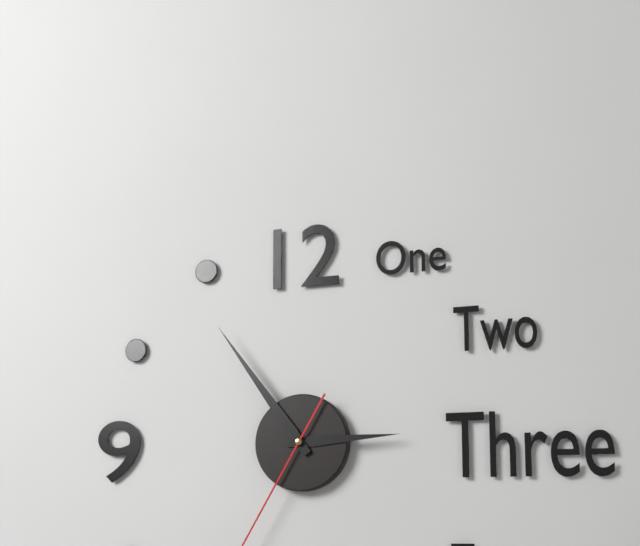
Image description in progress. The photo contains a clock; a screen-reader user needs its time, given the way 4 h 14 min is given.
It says 2 h 54 min
